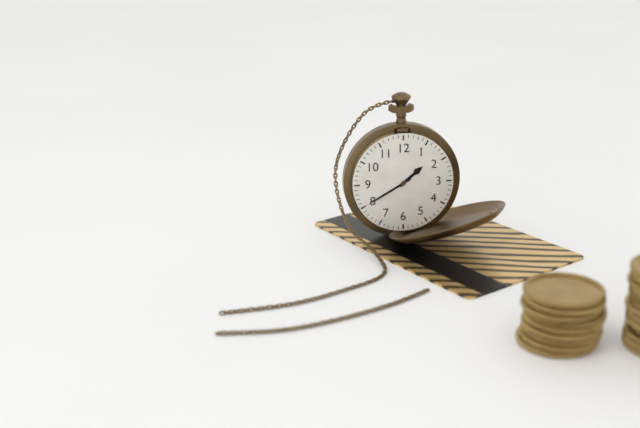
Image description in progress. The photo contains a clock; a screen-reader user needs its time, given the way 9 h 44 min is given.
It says 1 h 40 min
